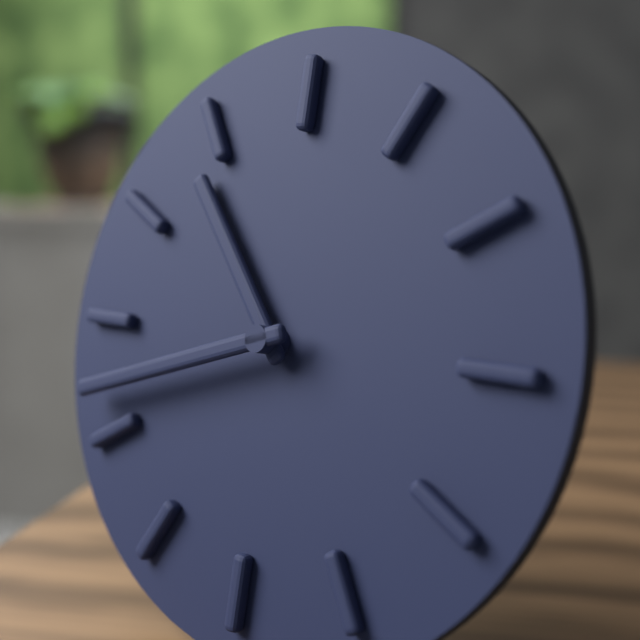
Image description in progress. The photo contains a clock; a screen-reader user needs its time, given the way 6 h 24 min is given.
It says 10 h 42 min
